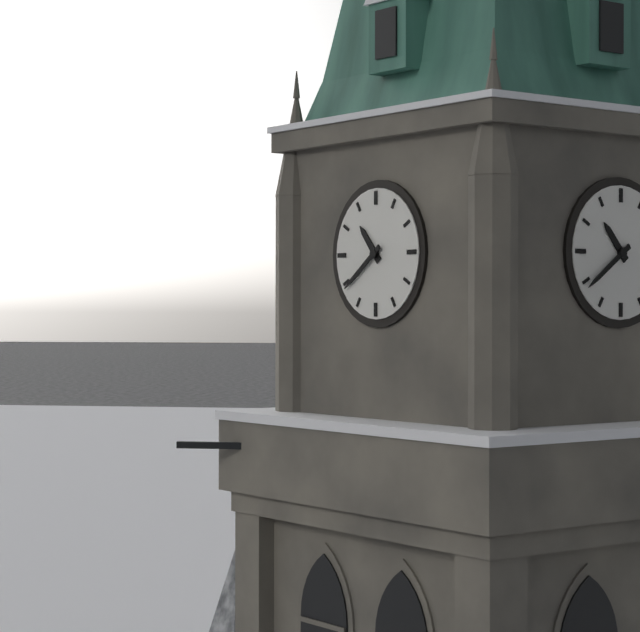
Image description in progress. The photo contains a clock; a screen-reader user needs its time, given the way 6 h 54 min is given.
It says 10 h 39 min
